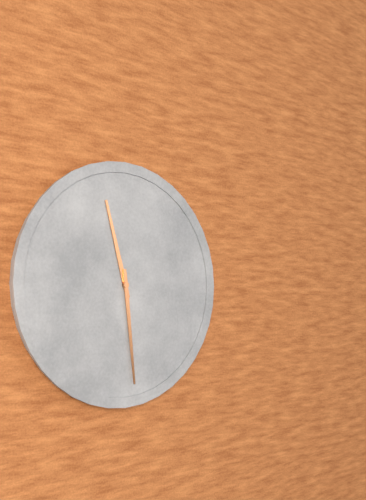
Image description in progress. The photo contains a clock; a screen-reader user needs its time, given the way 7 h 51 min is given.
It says 11 h 29 min
